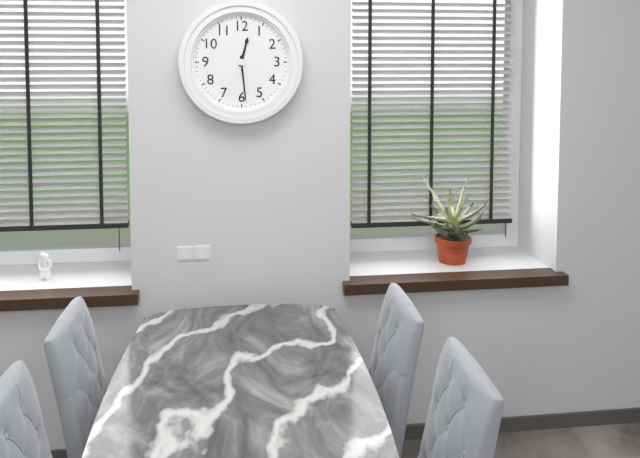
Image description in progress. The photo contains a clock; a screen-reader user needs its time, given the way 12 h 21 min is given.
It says 12 h 29 min
